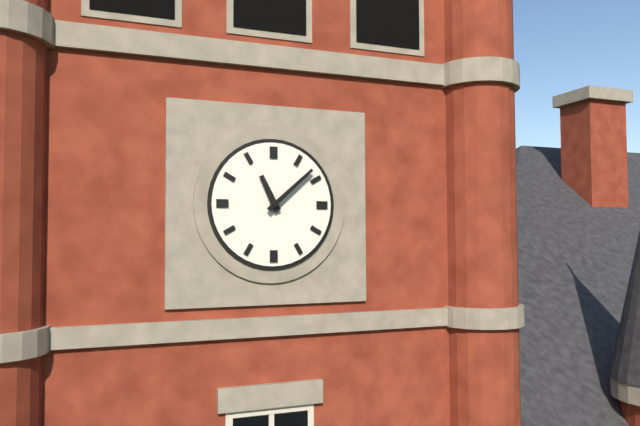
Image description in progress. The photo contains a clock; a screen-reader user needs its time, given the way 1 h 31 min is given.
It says 11 h 08 min
